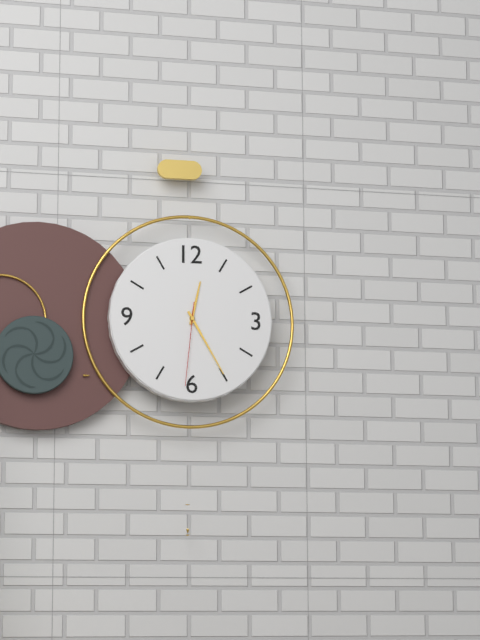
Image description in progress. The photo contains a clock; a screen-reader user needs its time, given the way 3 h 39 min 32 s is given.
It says 12 h 25 min 31 s
